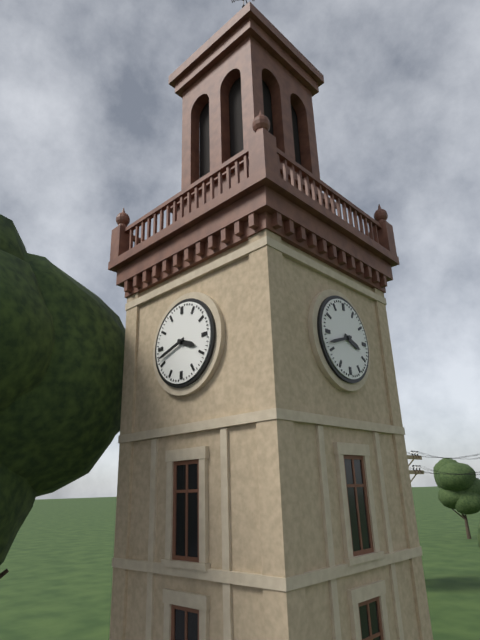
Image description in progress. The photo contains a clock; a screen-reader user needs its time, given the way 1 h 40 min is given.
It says 3 h 42 min
